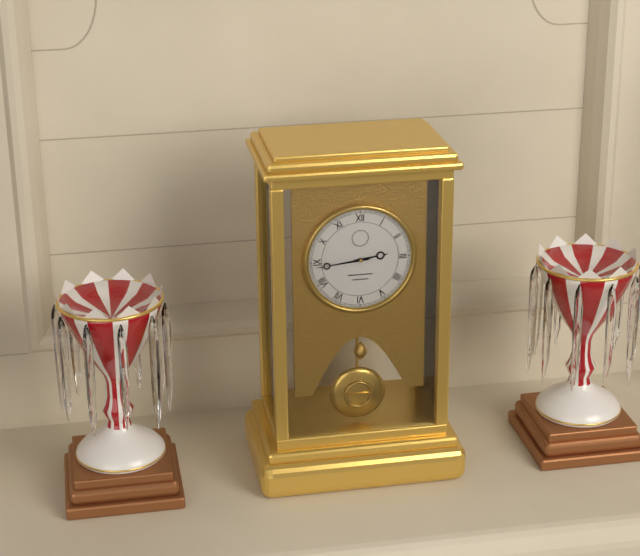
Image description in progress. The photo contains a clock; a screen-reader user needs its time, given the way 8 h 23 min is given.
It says 2 h 44 min
